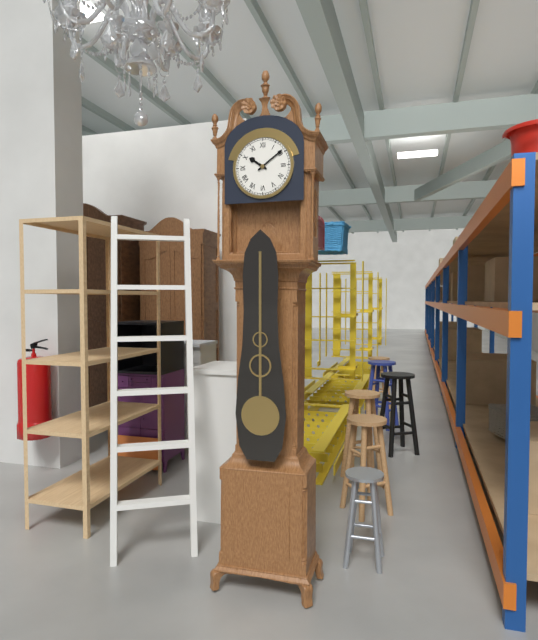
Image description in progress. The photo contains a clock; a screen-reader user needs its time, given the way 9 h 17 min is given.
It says 10 h 09 min
